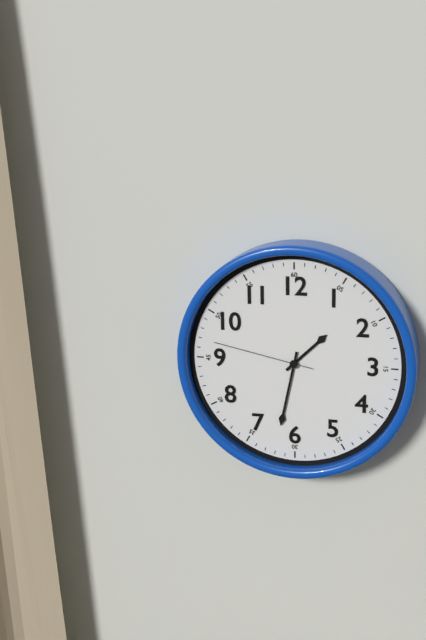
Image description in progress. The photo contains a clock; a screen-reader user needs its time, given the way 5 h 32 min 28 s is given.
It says 1 h 32 min 47 s
